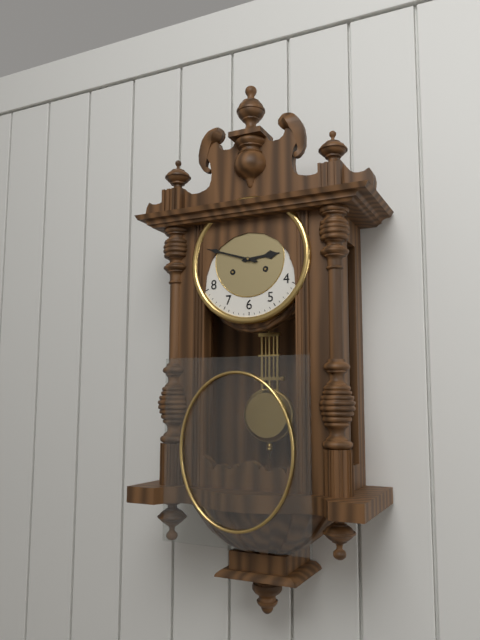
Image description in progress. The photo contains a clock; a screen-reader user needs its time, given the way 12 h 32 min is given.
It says 2 h 48 min
